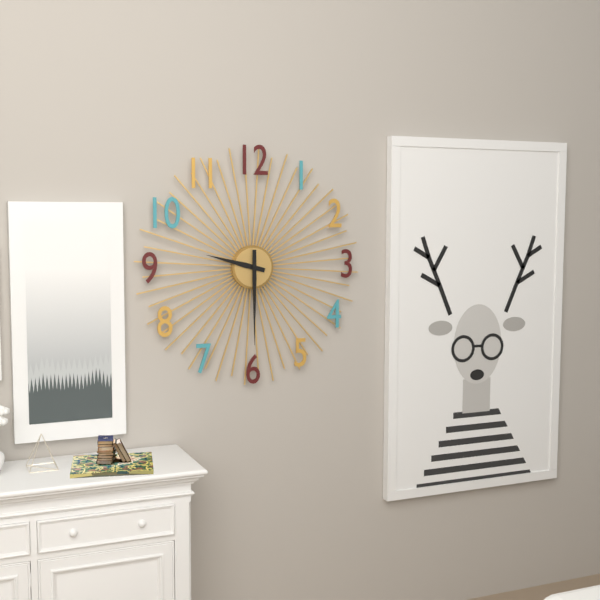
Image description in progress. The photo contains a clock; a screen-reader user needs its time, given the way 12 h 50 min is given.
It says 9 h 30 min
